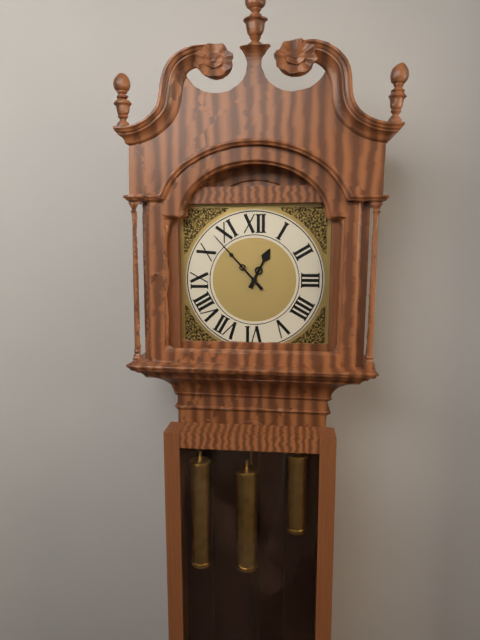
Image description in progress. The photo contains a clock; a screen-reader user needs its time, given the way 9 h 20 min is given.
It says 12 h 53 min
